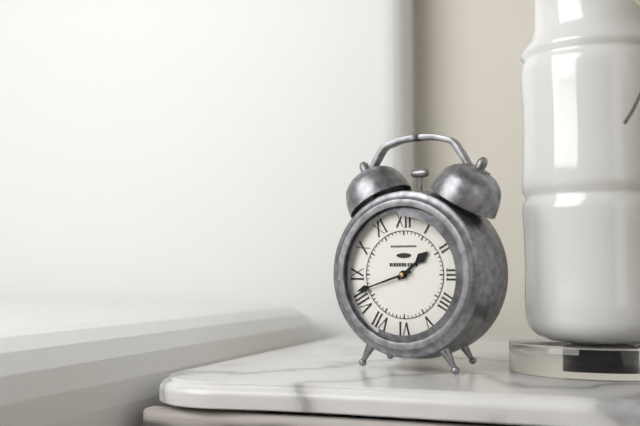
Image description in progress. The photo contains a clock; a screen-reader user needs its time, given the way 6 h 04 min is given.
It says 1 h 42 min
